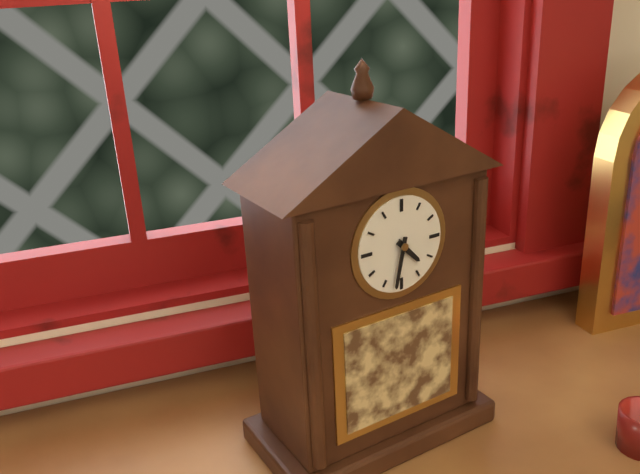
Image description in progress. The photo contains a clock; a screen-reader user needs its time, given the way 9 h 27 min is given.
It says 4 h 32 min
